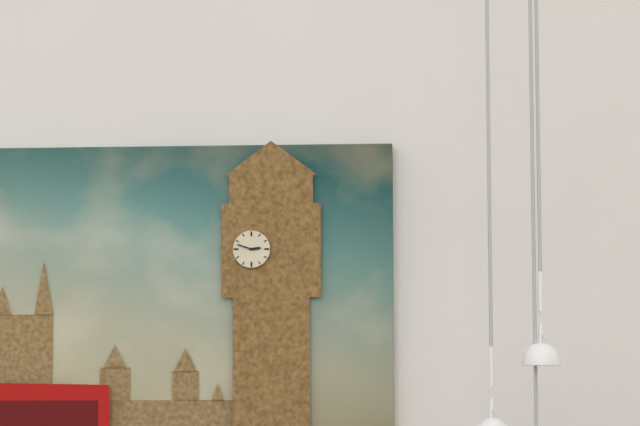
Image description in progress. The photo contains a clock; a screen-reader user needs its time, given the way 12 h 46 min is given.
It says 2 h 48 min
